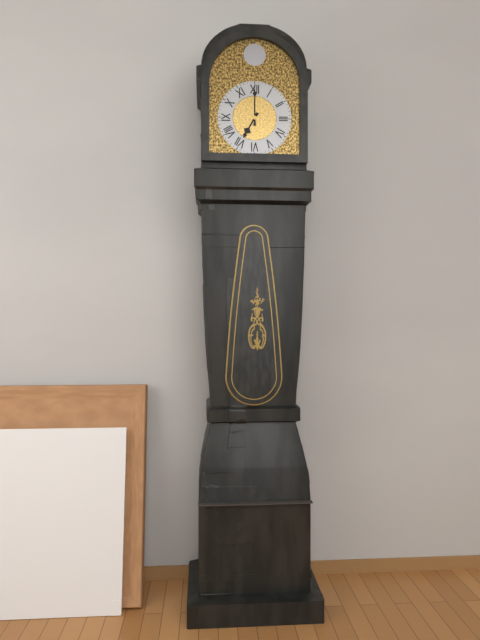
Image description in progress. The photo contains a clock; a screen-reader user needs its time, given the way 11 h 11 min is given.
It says 7 h 00 min
